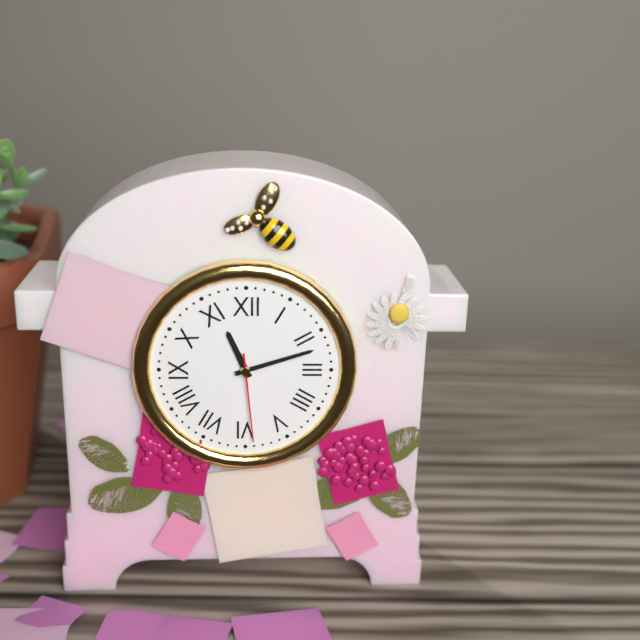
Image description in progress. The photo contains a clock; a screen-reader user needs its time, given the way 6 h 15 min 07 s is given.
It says 11 h 12 min 29 s
